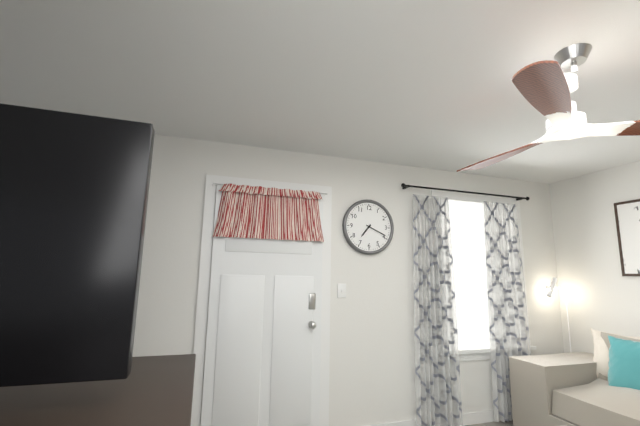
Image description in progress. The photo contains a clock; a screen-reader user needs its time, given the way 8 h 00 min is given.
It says 7 h 19 min
